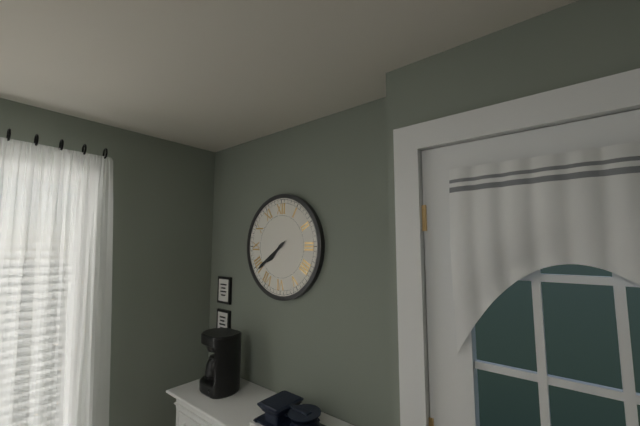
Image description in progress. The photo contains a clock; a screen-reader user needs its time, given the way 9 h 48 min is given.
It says 7 h 39 min
